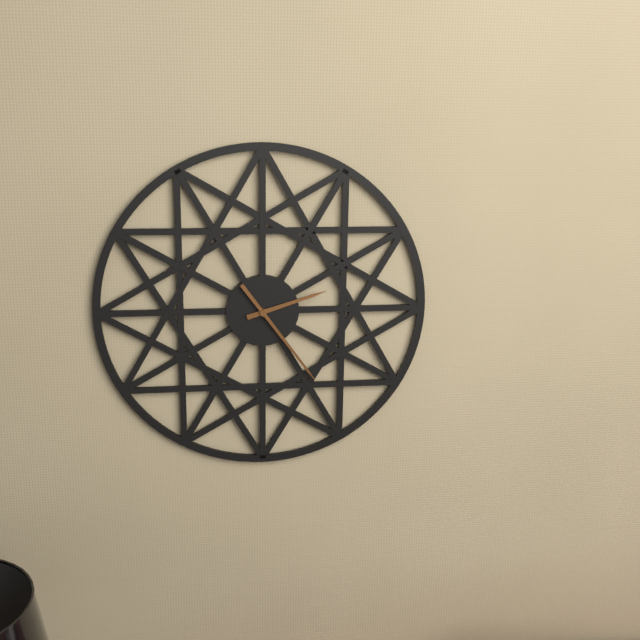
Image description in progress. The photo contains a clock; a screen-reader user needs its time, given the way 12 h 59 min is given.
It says 2 h 24 min
